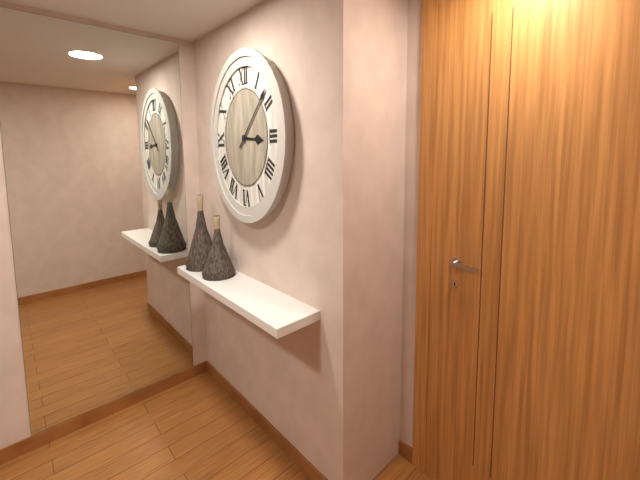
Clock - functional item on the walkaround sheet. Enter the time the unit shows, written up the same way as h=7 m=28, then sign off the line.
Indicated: h=3 m=8
